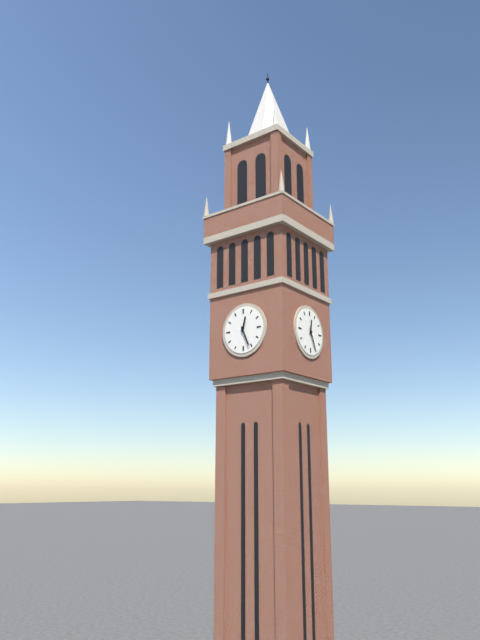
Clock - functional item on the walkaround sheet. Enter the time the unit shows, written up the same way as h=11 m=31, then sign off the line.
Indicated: h=12 m=26
